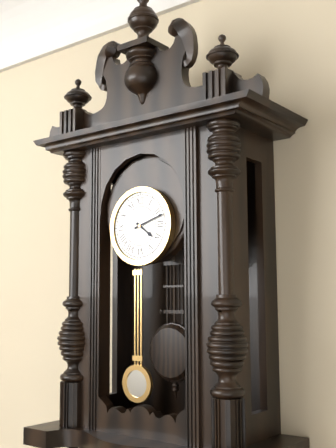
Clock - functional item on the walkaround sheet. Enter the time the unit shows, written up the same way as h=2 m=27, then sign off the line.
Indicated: h=4 m=12
